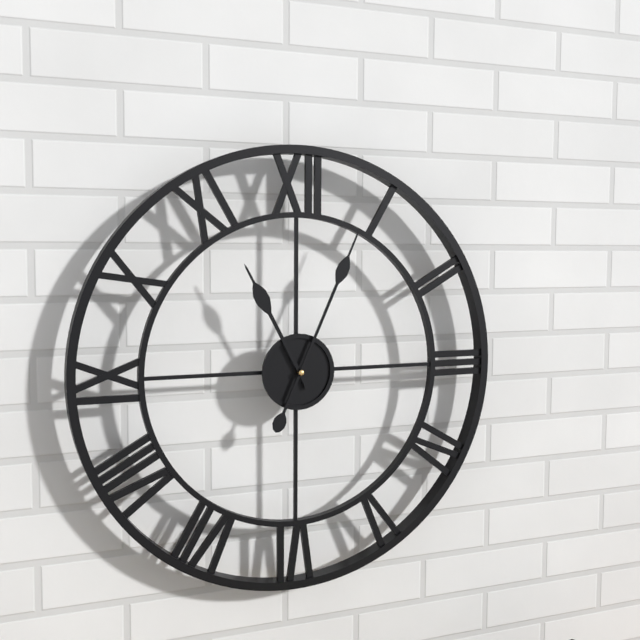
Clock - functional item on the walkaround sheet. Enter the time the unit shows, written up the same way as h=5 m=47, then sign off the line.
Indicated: h=11 m=4
